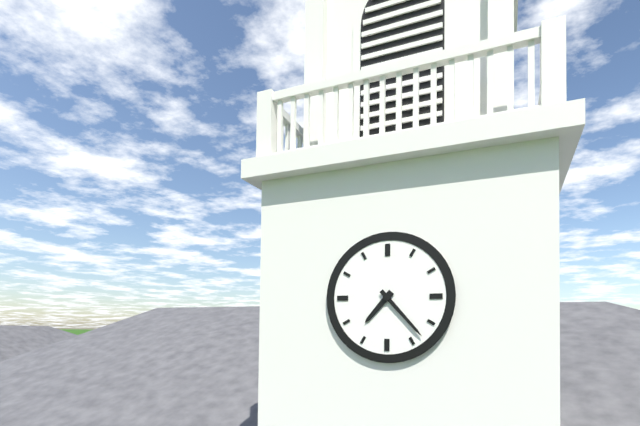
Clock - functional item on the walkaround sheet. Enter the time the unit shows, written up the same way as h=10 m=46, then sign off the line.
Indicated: h=7 m=23
